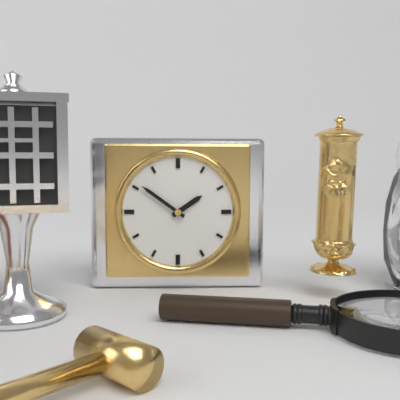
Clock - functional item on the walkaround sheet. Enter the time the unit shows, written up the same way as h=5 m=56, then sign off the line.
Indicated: h=1 m=51
